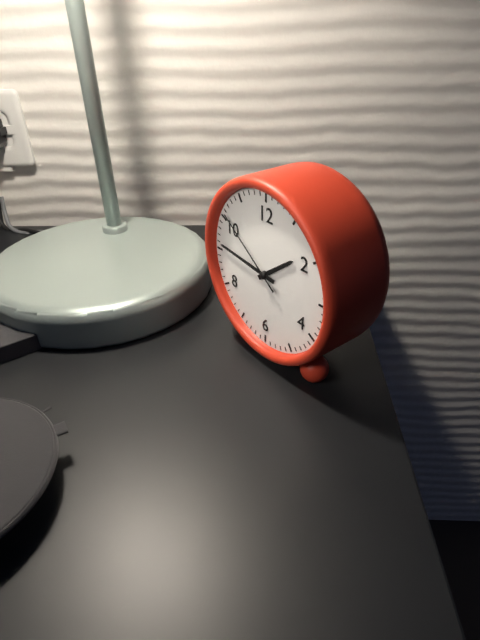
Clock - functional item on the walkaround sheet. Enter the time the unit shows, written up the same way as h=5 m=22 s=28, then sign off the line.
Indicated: h=1 m=46 s=51
